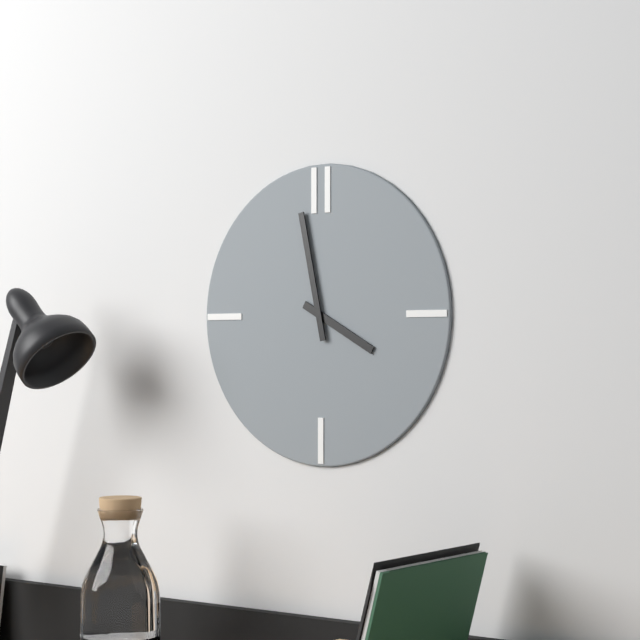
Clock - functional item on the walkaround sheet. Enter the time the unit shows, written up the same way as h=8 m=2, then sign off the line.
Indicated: h=3 m=58
